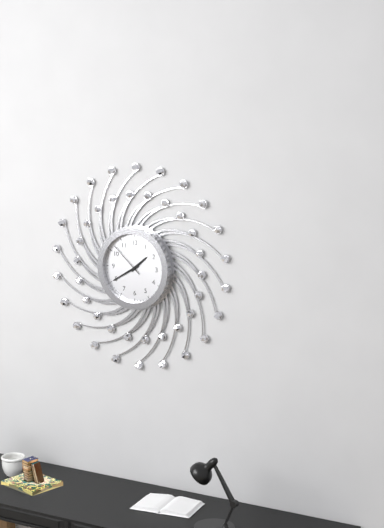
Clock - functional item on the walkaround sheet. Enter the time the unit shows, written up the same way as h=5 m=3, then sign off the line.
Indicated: h=1 m=40
